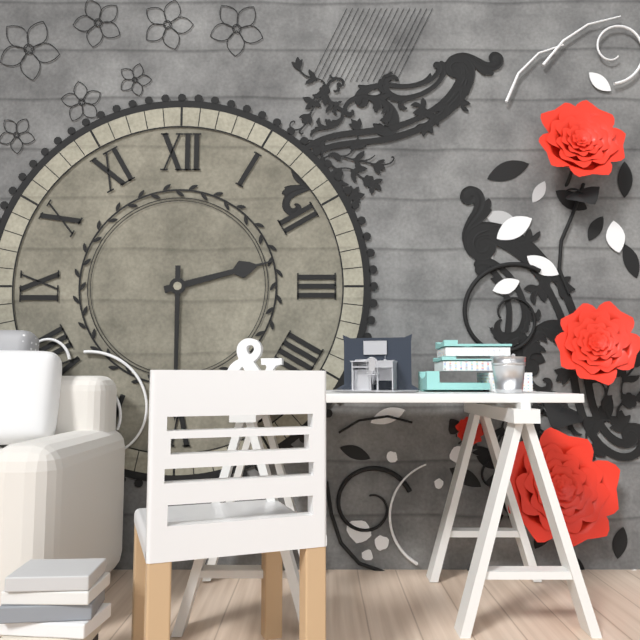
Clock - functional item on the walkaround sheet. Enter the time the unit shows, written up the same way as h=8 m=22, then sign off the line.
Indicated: h=2 m=30
